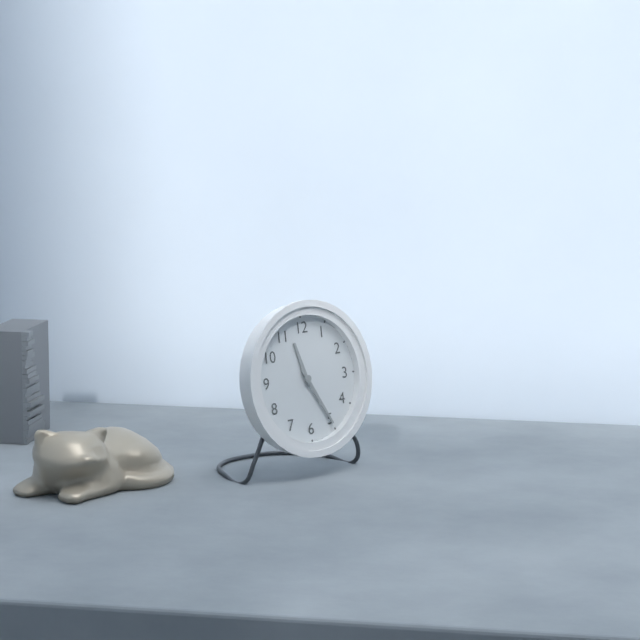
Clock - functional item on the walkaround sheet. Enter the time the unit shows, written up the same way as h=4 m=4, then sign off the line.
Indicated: h=11 m=25
